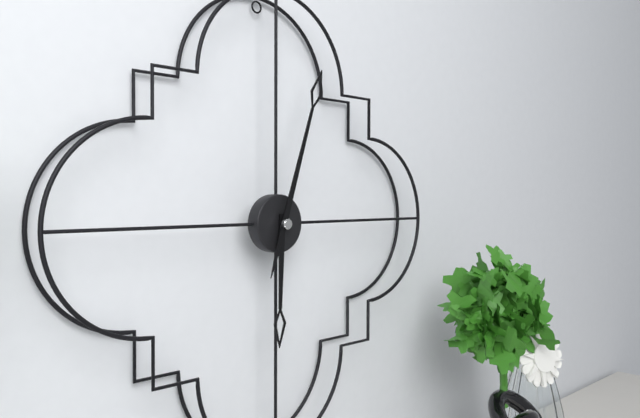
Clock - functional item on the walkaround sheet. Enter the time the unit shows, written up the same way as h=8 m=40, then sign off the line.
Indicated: h=6 m=3
